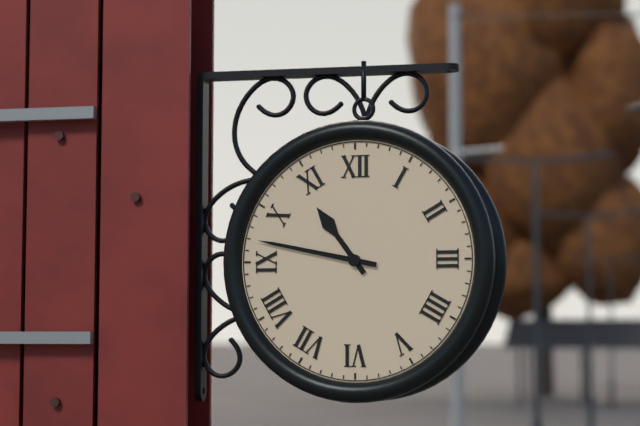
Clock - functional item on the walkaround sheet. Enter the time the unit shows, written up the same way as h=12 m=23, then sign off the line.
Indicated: h=10 m=47
